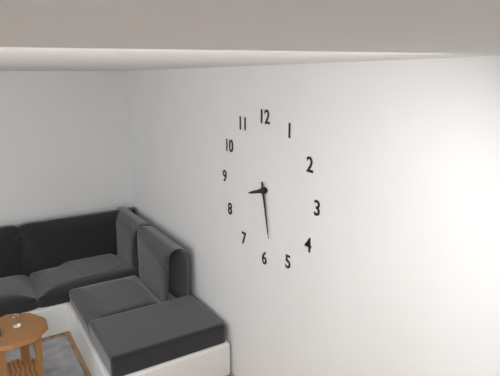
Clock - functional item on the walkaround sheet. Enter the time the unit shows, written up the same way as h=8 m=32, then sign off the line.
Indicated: h=8 m=28
